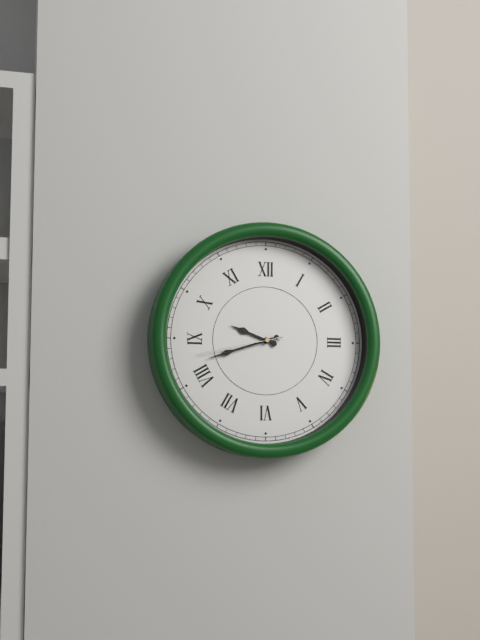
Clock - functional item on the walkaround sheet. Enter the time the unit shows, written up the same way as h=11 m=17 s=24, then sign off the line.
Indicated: h=9 m=42 s=43
